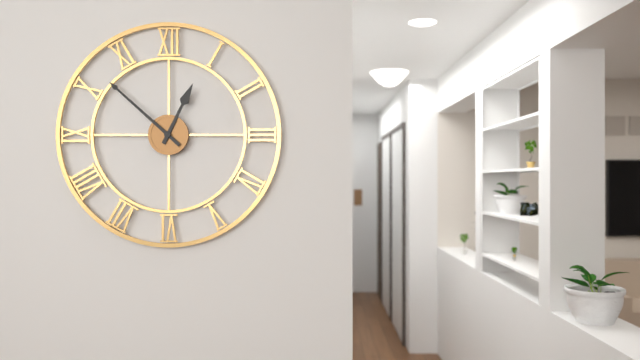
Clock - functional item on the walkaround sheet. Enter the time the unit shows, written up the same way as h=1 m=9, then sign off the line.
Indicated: h=12 m=52
